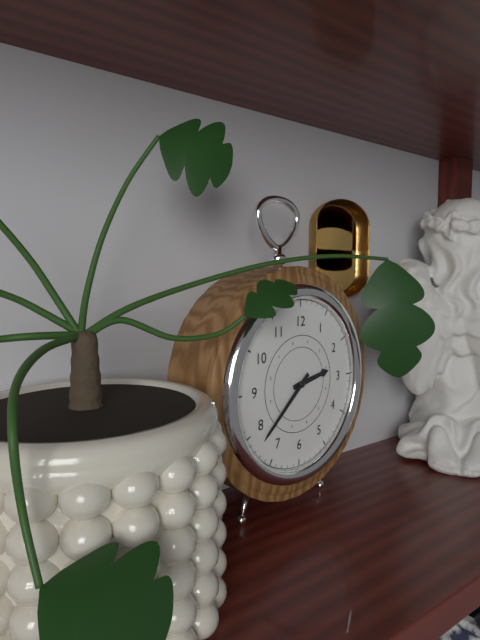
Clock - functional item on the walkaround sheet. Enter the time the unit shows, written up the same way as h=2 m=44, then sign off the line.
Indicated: h=2 m=38
